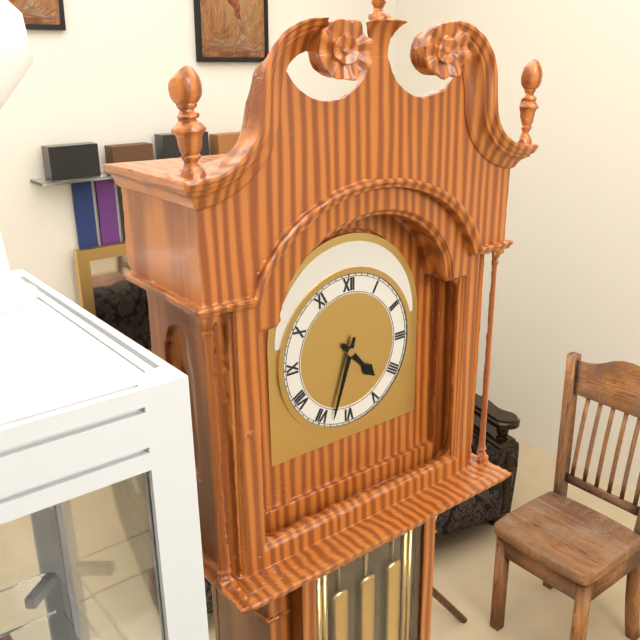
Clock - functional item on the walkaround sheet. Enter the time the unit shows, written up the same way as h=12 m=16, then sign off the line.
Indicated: h=4 m=33
